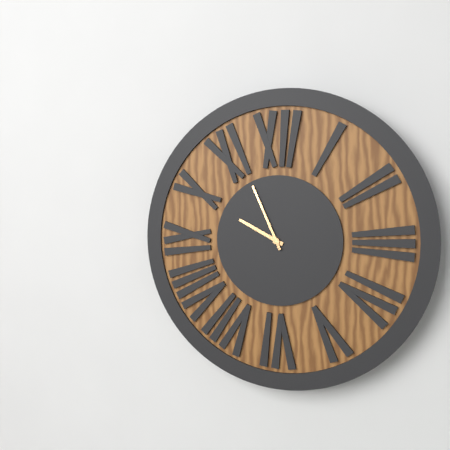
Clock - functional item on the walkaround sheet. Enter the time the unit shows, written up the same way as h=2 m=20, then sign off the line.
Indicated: h=9 m=56
